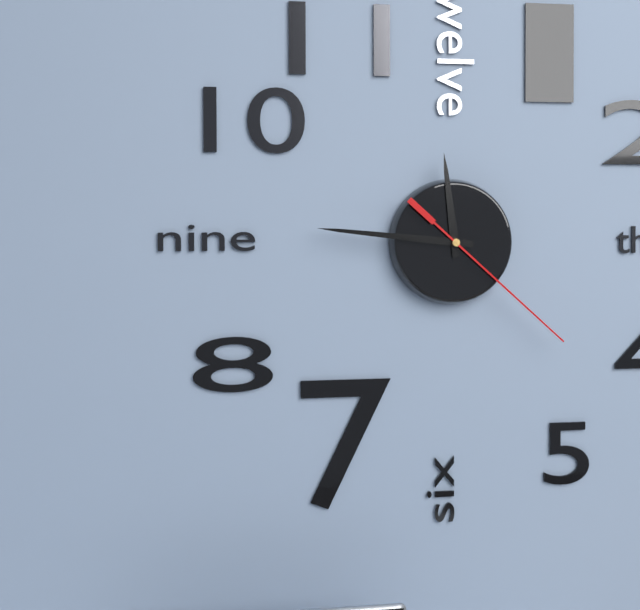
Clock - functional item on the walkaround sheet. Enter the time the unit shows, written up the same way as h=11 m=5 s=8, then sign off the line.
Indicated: h=11 m=46 s=22
